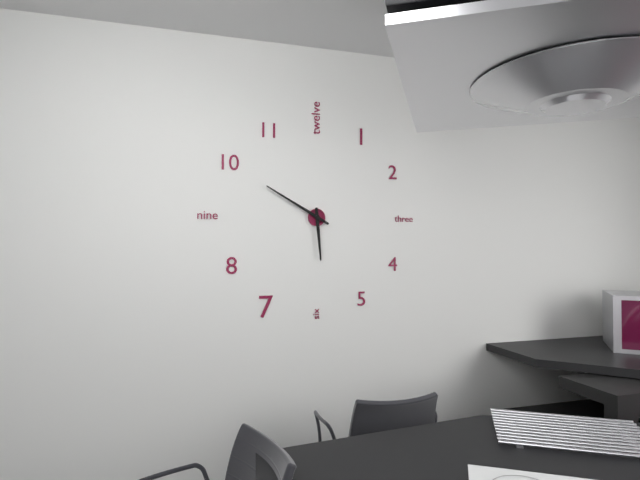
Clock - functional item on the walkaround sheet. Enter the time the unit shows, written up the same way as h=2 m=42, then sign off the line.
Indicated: h=5 m=50
